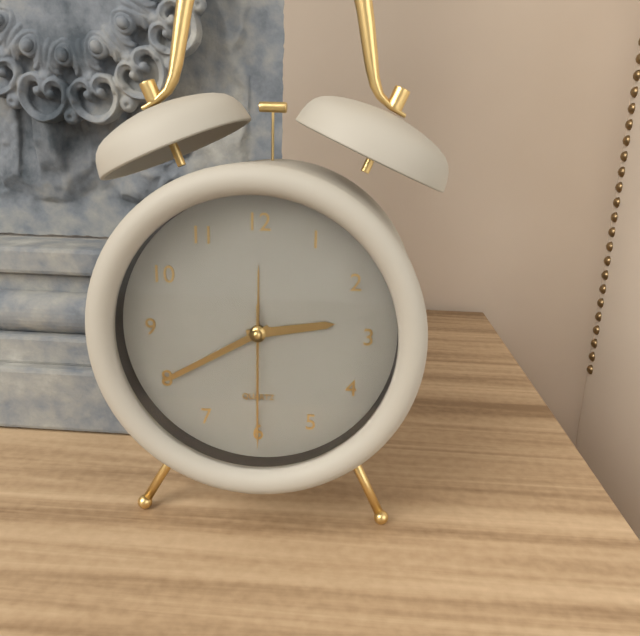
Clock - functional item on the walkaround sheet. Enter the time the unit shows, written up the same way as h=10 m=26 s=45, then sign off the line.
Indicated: h=2 m=40 s=30
